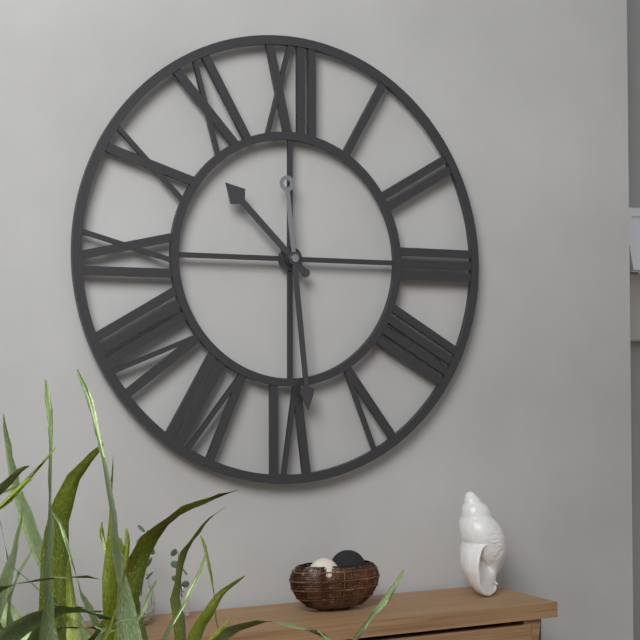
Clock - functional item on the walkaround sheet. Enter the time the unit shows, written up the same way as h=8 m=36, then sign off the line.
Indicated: h=10 m=29
